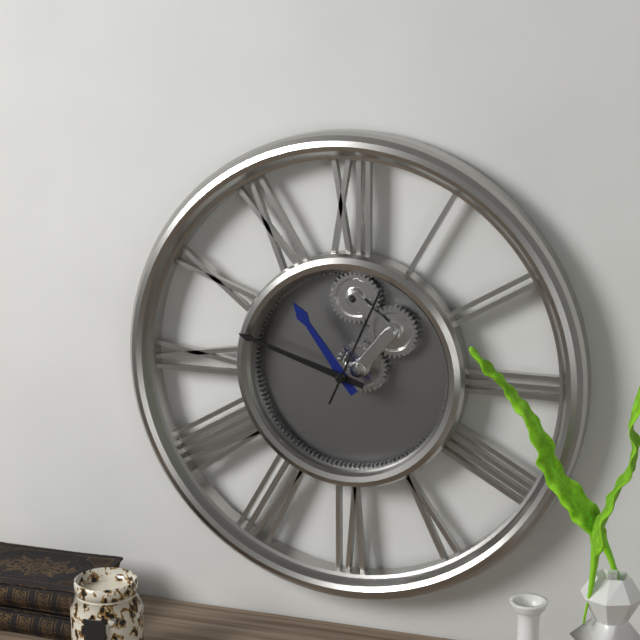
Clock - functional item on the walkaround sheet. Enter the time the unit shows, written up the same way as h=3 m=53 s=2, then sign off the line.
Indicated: h=10 m=48 s=4
